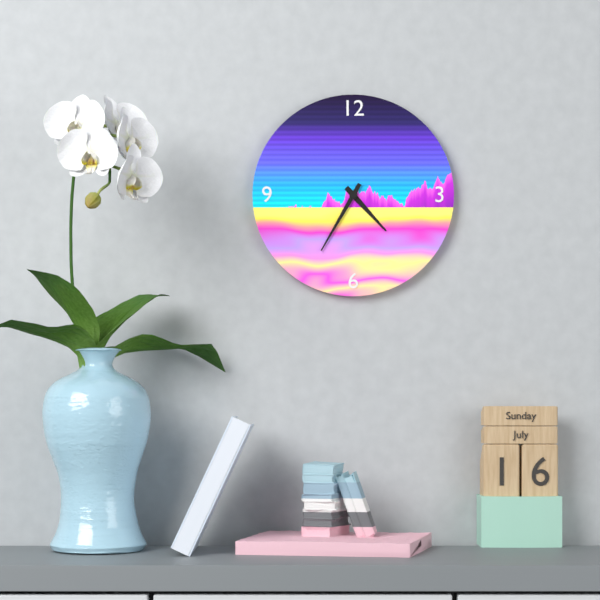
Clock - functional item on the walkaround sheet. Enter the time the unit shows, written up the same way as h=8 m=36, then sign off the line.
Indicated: h=4 m=35
